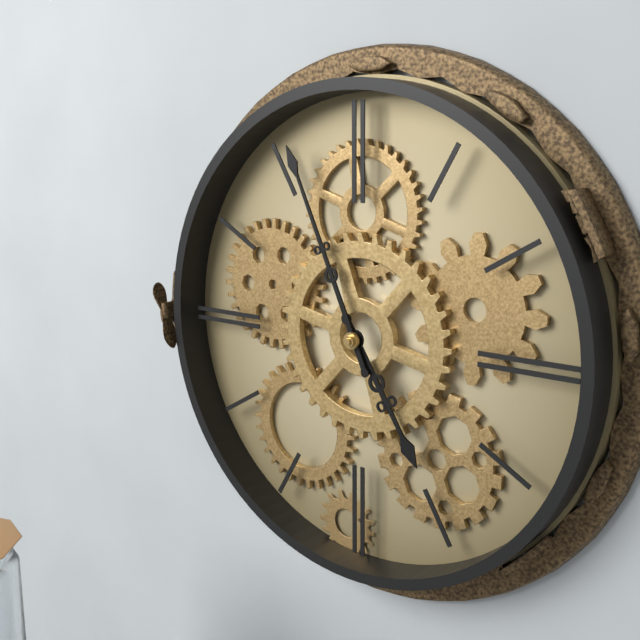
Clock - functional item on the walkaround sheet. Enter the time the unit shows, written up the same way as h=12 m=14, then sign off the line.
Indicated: h=4 m=56
